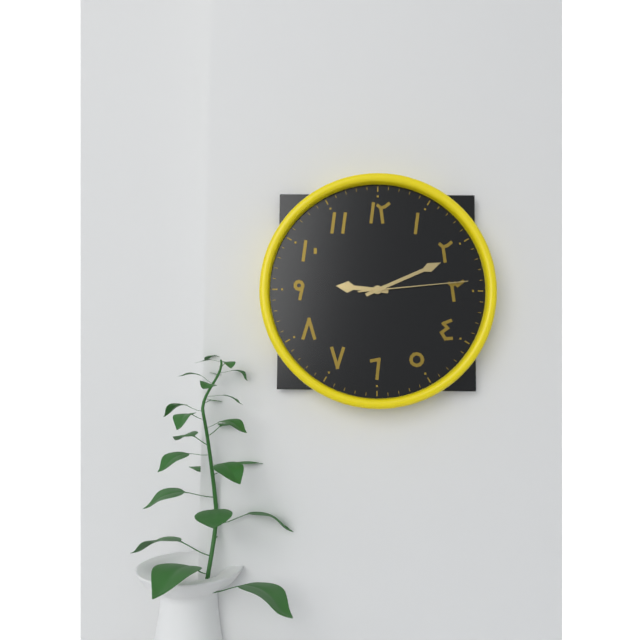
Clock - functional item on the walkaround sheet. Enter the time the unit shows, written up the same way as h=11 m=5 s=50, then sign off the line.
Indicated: h=9 m=11 s=14
